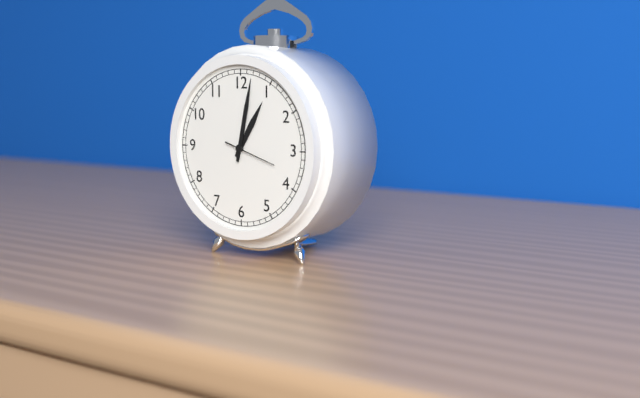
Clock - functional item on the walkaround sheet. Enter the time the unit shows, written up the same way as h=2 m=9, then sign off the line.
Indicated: h=1 m=2
